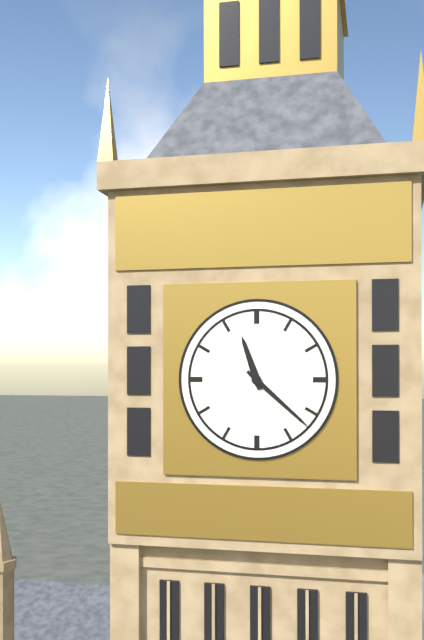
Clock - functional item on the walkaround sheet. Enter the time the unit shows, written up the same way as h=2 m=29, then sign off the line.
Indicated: h=11 m=22
